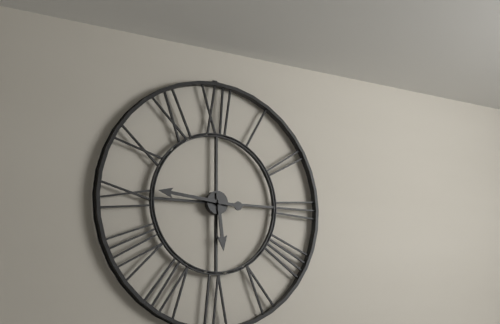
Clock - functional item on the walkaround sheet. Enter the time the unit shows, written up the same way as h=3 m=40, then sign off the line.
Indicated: h=5 m=46
